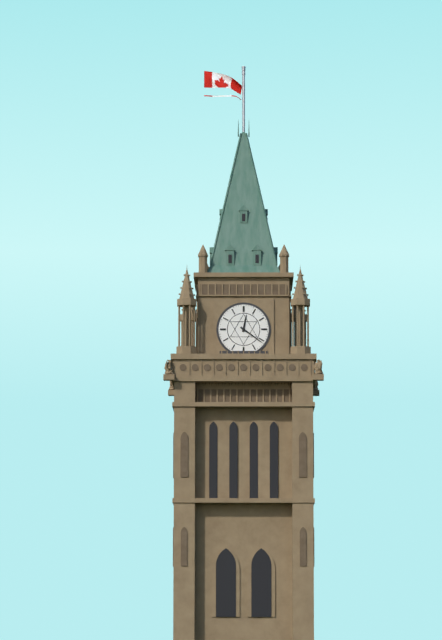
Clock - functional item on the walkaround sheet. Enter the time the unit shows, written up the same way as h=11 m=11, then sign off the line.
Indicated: h=12 m=21
